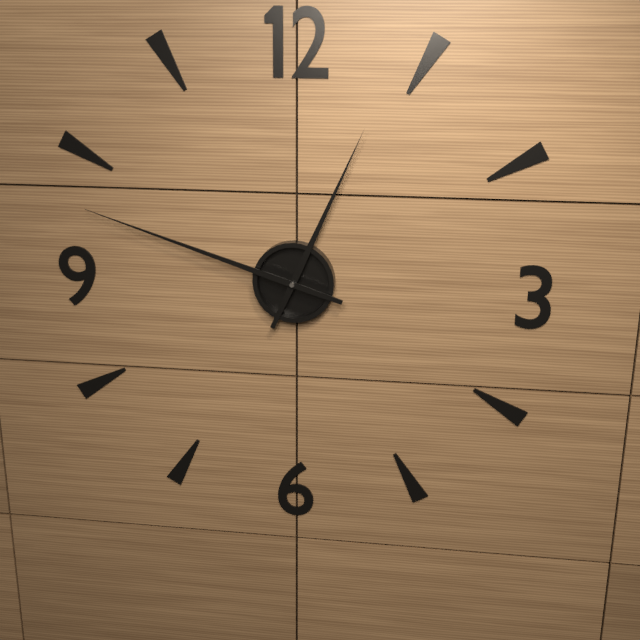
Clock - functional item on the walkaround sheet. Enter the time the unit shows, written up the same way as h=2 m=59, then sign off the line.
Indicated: h=12 m=48
